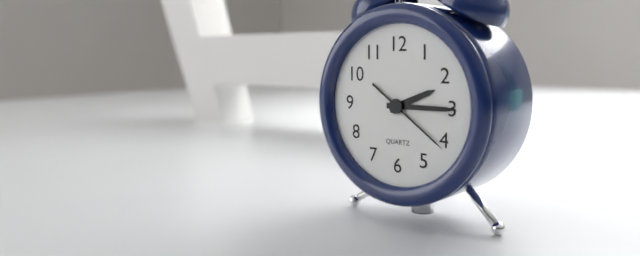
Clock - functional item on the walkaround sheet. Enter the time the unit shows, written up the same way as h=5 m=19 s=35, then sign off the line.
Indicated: h=2 m=15 s=21
